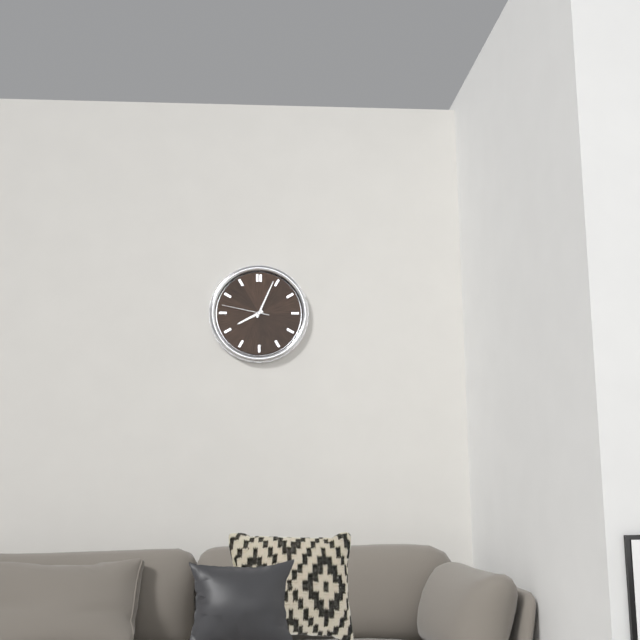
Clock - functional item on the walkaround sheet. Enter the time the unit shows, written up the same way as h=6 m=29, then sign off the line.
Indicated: h=8 m=4
